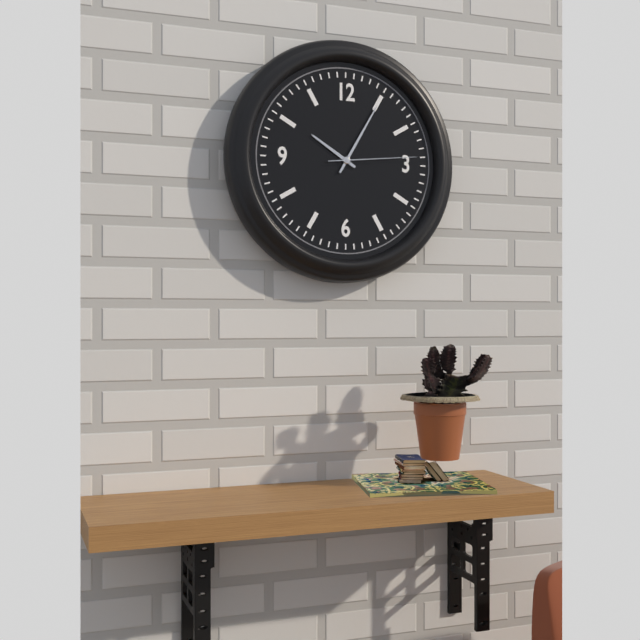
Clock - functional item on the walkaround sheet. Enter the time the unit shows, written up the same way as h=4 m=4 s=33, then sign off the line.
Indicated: h=10 m=5 s=14
